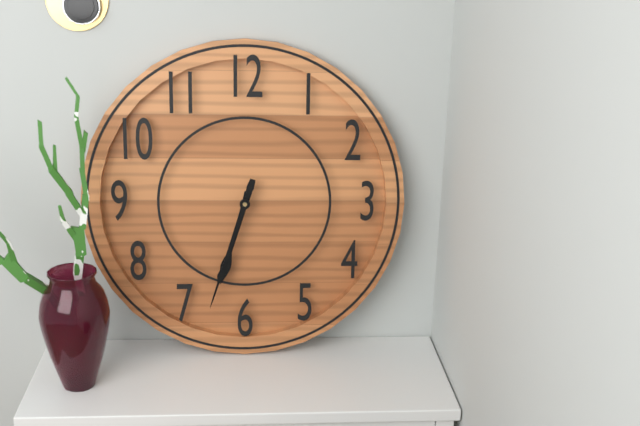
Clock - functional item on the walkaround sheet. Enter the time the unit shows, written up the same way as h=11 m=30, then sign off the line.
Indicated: h=6 m=33
